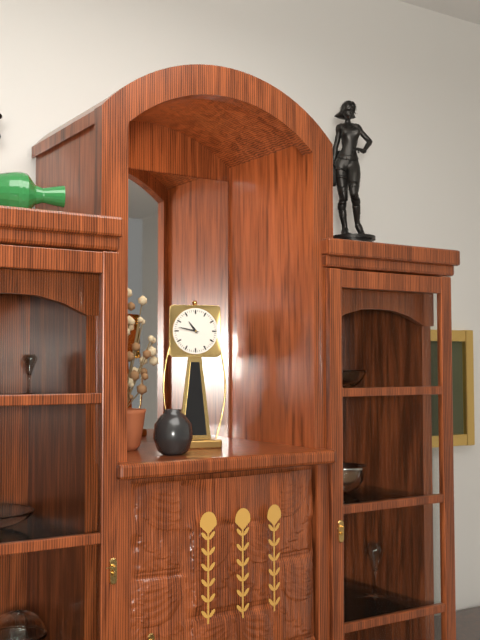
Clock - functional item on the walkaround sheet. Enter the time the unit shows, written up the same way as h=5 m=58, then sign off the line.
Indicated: h=10 m=47
